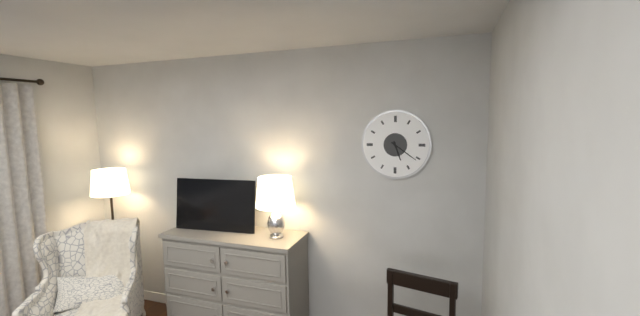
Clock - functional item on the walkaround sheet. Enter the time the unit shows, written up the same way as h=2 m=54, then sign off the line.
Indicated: h=5 m=21
